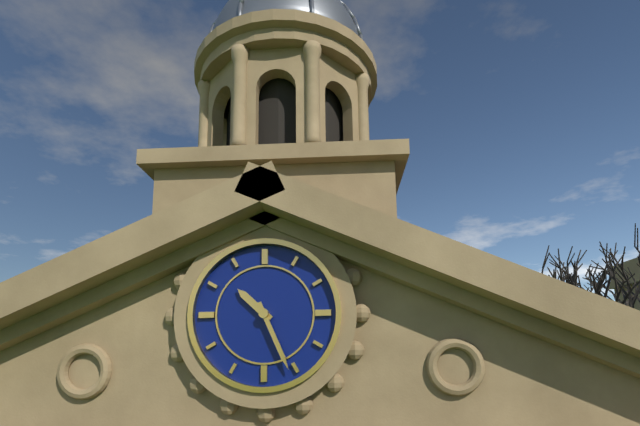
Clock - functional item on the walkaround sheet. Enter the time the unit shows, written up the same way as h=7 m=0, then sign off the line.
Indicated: h=10 m=26
